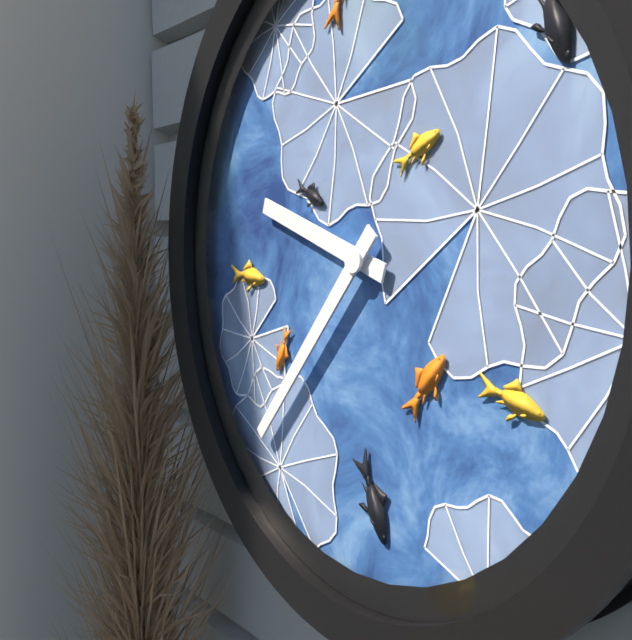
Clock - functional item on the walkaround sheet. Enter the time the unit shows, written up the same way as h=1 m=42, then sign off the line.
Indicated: h=9 m=37
